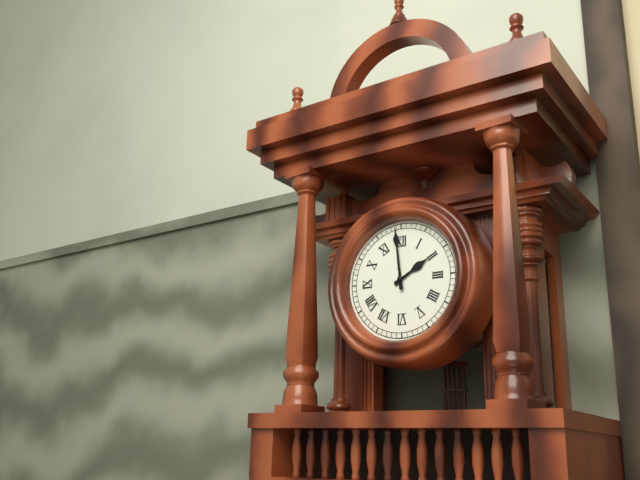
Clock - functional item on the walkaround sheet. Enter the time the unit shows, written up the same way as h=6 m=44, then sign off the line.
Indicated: h=1 m=59
